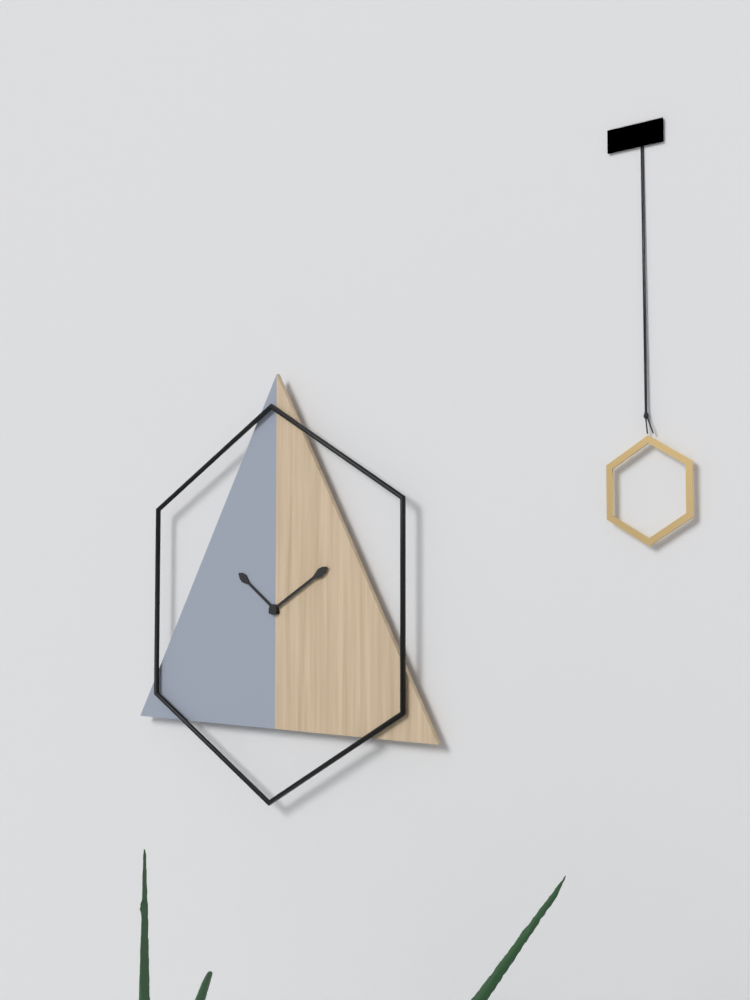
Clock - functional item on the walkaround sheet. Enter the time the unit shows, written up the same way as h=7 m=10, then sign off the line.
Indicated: h=10 m=10
